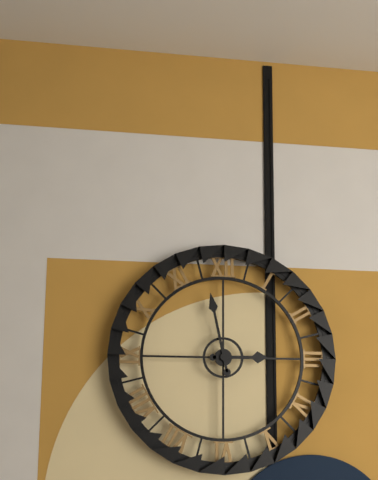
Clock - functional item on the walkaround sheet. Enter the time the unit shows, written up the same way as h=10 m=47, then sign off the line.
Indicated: h=2 m=58
